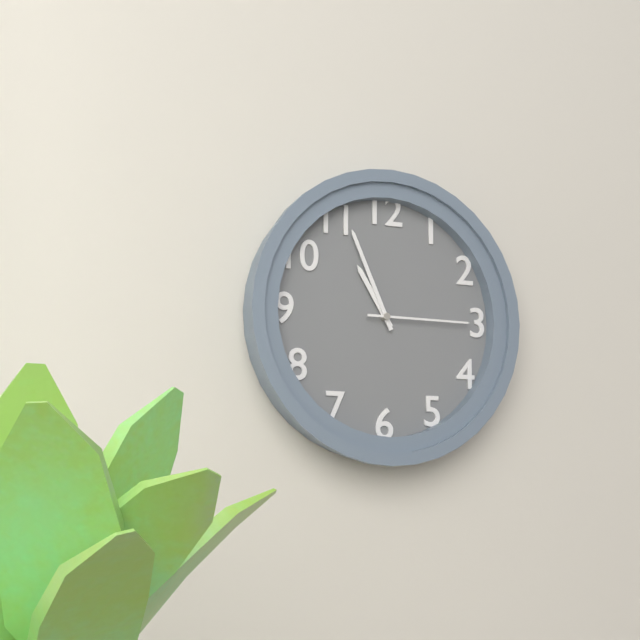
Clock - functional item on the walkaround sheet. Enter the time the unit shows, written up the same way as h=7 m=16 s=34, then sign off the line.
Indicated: h=10 m=56 s=15
